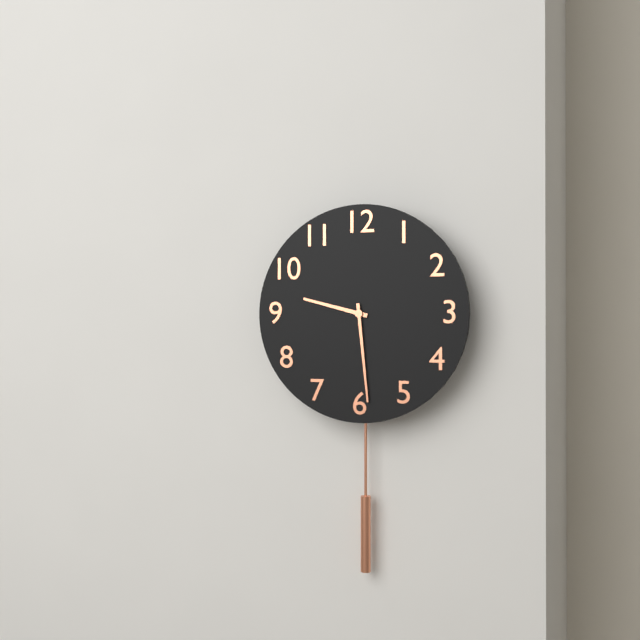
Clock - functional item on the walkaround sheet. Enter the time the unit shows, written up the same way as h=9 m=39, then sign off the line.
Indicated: h=9 m=29
